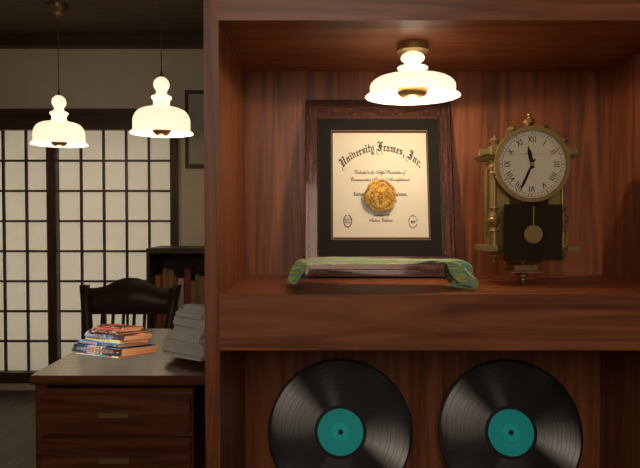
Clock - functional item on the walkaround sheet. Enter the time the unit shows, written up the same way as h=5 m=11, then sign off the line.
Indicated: h=11 m=34
